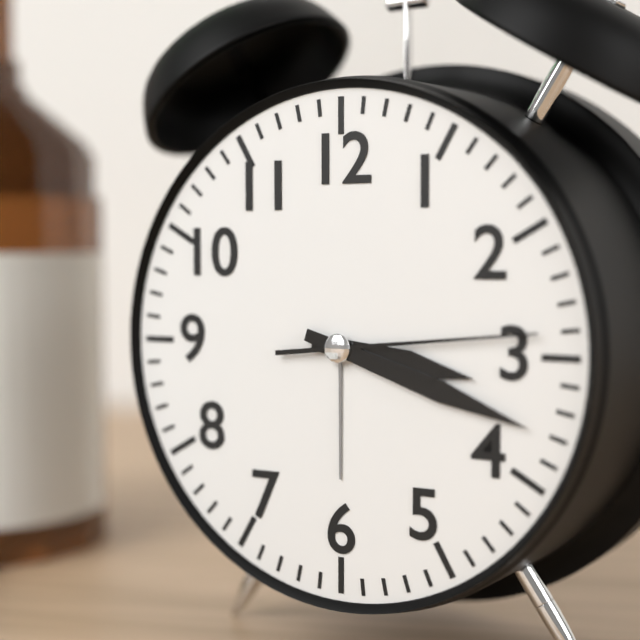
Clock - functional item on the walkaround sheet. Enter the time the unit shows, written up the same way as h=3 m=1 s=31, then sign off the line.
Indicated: h=3 m=18 s=14
